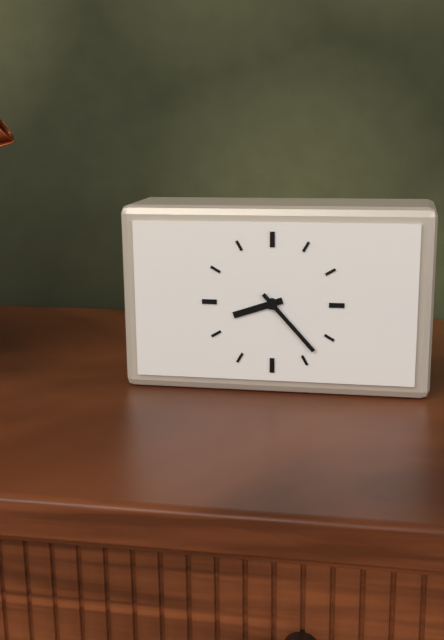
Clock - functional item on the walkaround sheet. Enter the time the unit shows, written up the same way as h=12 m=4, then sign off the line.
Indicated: h=8 m=23
